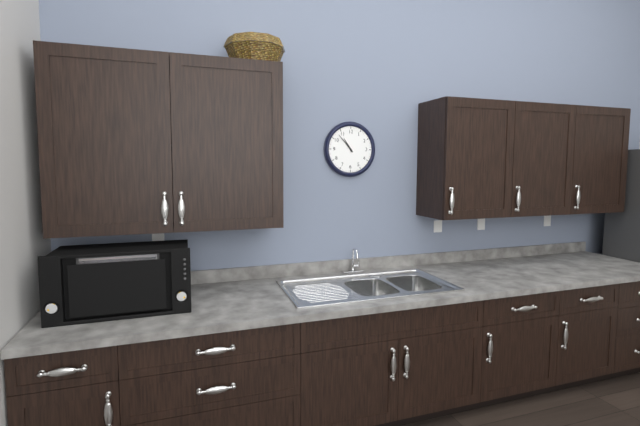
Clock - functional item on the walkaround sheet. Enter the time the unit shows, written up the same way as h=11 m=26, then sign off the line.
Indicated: h=10 m=53
